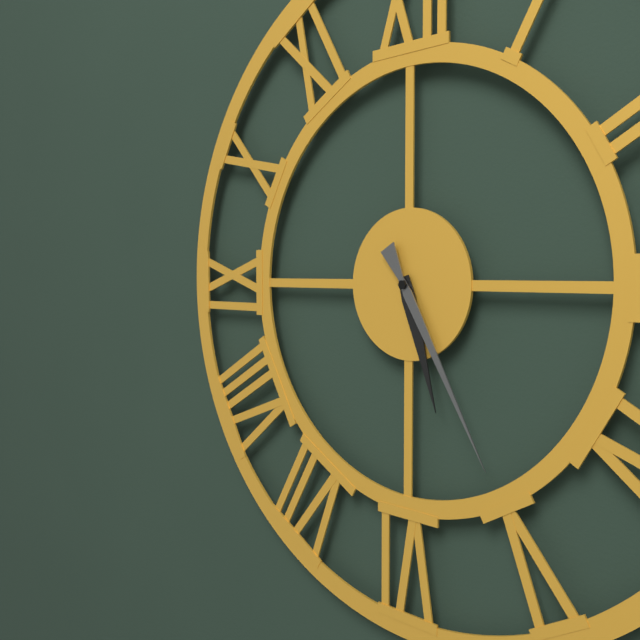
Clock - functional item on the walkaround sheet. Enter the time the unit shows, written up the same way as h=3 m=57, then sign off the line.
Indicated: h=5 m=25
